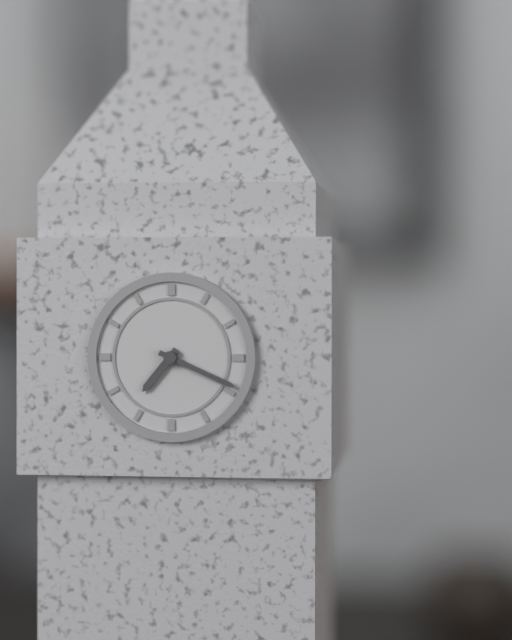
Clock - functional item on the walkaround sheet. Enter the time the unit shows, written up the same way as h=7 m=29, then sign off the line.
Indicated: h=7 m=19
